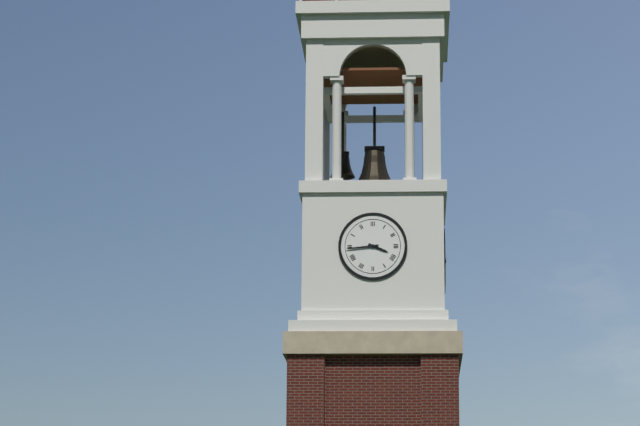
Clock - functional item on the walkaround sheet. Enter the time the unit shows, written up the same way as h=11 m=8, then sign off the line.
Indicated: h=3 m=44
